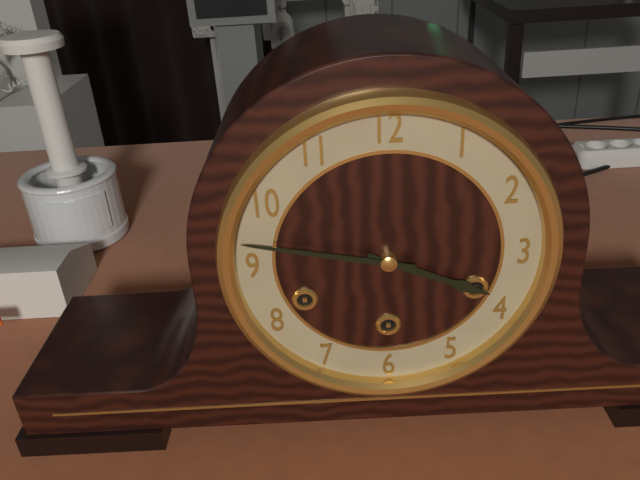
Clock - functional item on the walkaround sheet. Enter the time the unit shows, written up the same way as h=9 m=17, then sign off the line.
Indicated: h=3 m=47
